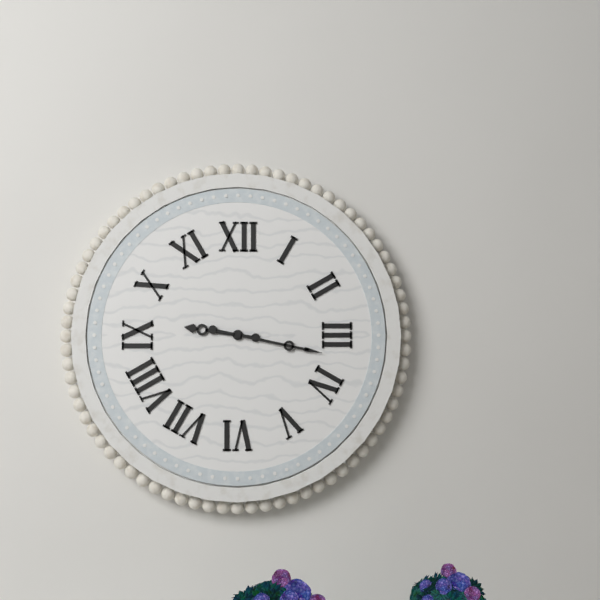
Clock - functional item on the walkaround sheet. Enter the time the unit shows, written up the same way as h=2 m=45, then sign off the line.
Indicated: h=9 m=17
